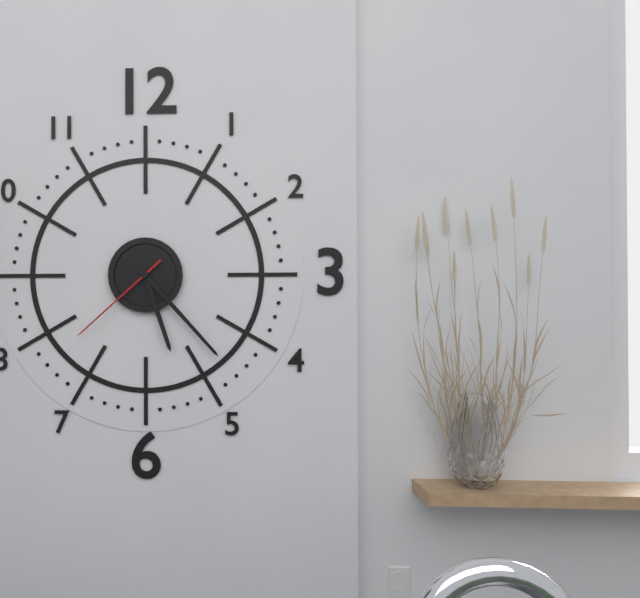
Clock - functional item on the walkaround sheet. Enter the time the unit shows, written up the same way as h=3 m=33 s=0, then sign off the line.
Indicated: h=5 m=23 s=38
